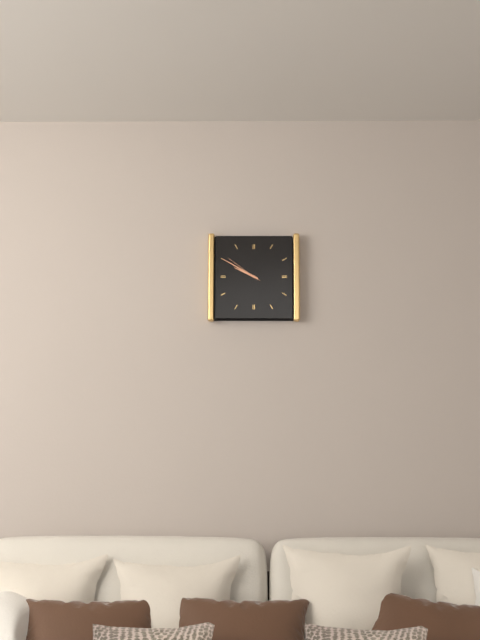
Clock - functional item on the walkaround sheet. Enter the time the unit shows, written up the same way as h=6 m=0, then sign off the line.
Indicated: h=9 m=50
